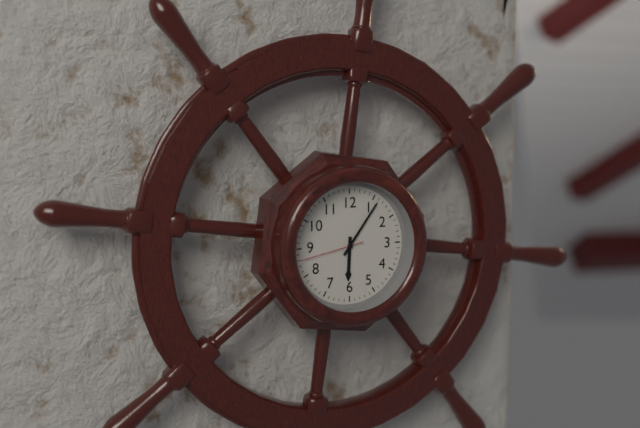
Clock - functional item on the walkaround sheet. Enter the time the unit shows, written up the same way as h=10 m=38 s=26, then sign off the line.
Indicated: h=6 m=6 s=43
